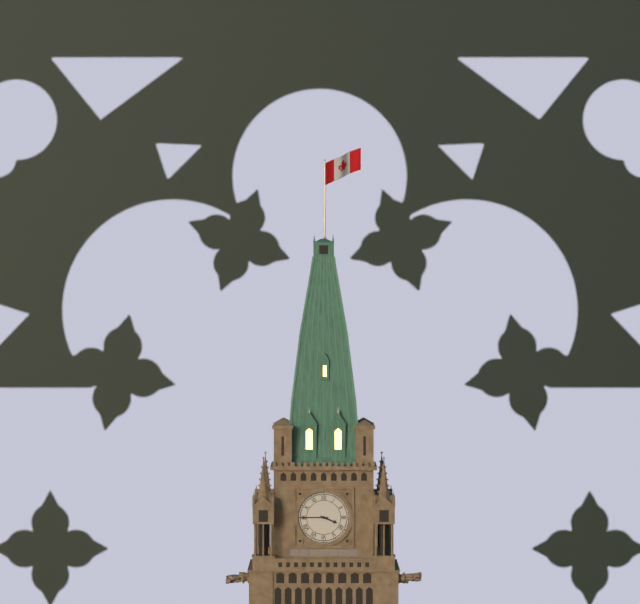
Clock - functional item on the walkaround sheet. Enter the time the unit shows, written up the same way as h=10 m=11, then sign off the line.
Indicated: h=3 m=45
